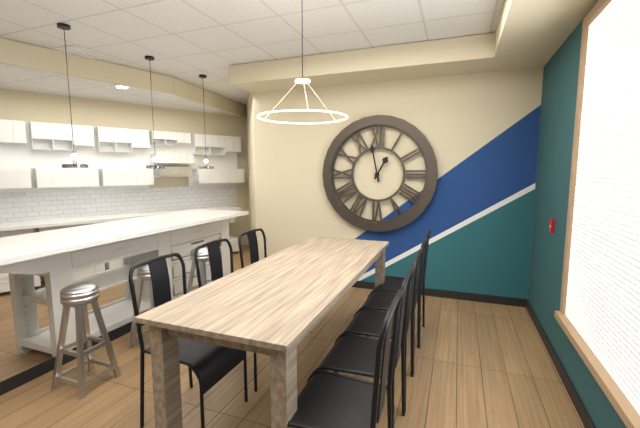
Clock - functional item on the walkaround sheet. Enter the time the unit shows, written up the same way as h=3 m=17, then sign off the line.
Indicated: h=12 m=58
